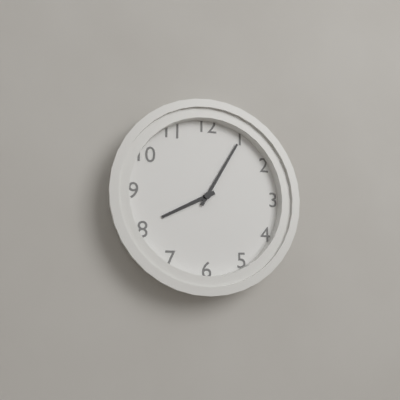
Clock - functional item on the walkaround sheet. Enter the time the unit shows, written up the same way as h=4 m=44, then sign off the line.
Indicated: h=8 m=5
